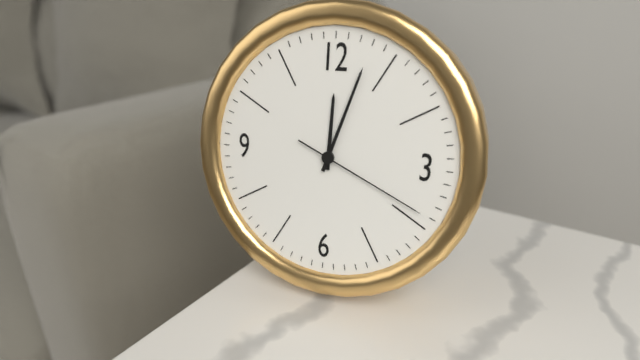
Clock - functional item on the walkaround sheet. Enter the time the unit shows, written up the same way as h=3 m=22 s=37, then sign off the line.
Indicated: h=12 m=3 s=19
